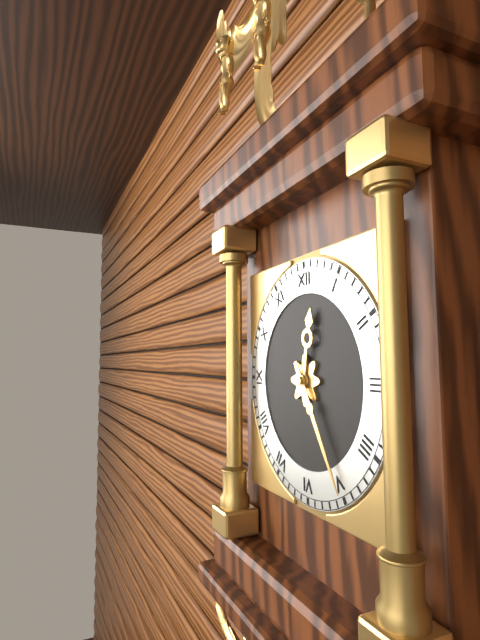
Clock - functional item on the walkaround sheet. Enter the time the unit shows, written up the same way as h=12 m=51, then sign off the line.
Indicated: h=12 m=25
